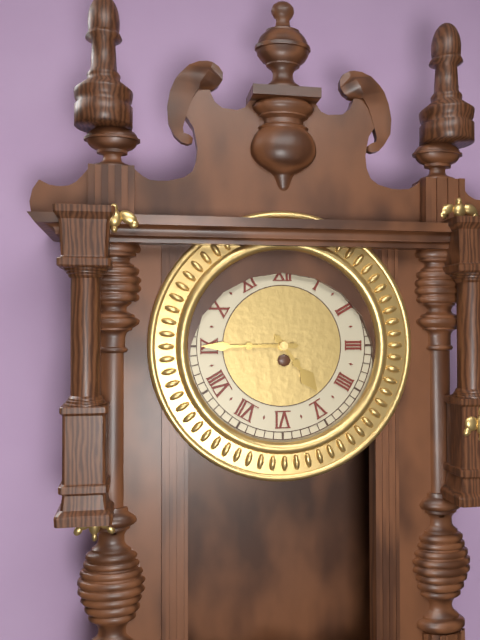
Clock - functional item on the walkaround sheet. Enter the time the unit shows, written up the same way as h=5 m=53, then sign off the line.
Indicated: h=4 m=45
